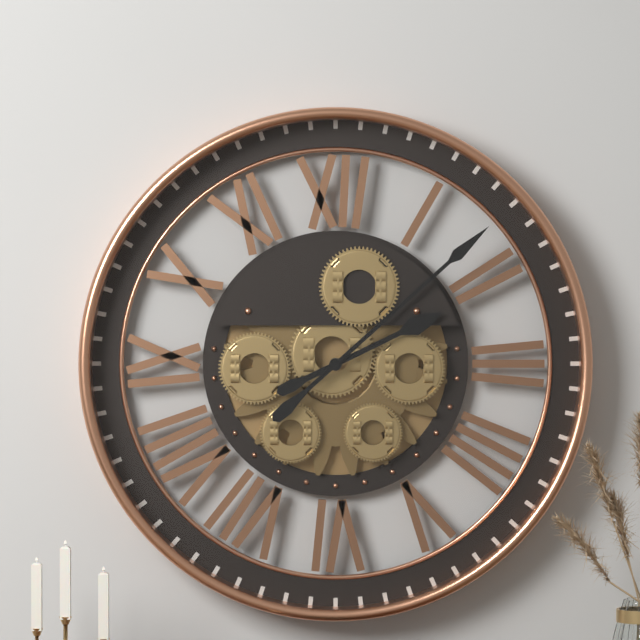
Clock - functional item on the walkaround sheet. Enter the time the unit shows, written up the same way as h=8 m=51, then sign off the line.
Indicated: h=2 m=8
